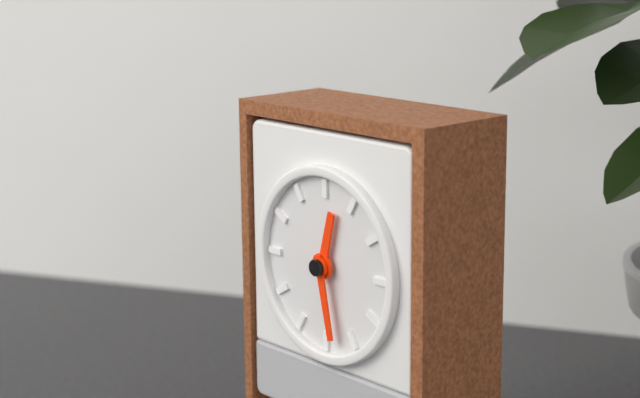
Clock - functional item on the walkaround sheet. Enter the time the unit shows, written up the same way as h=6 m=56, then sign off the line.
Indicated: h=12 m=28
